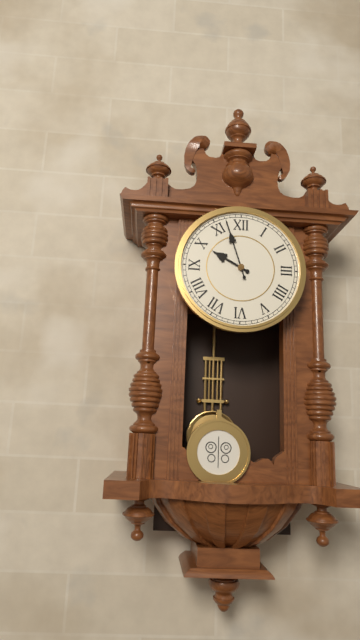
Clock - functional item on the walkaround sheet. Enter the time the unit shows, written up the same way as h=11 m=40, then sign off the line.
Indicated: h=9 m=57
